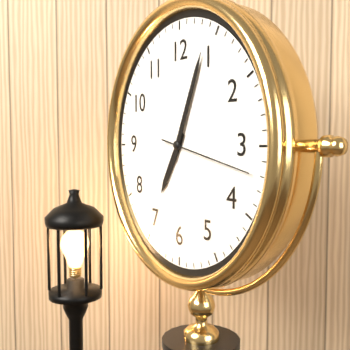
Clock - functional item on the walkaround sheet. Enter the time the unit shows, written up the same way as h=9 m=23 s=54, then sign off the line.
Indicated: h=7 m=4 s=17
